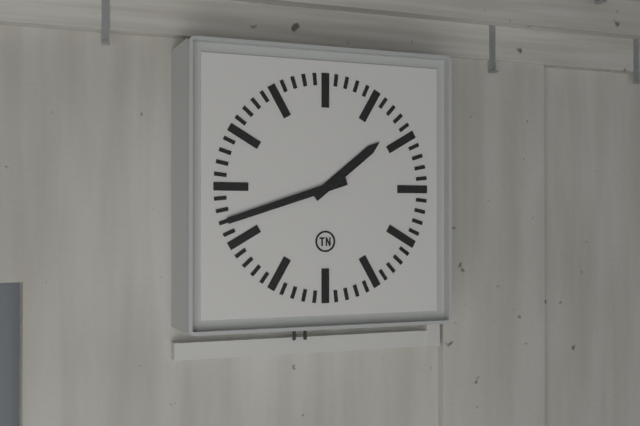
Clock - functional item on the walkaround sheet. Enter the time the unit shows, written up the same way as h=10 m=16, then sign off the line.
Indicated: h=1 m=42
